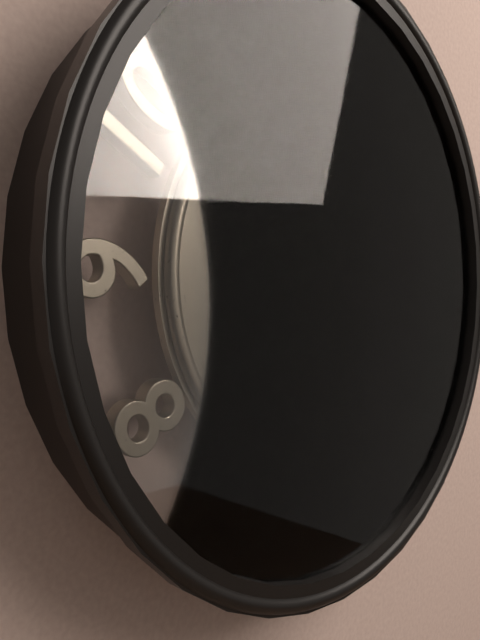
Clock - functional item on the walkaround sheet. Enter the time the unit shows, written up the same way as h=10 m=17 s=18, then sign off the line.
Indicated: h=9 m=27 s=29
